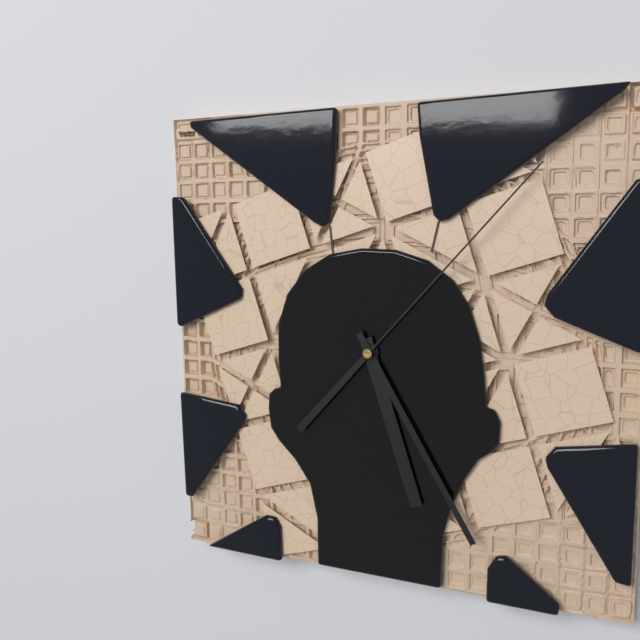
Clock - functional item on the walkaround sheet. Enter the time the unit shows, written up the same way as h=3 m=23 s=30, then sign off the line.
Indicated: h=5 m=25 s=7
